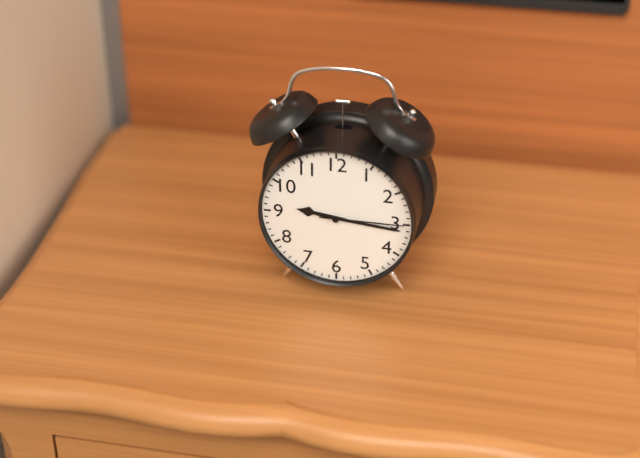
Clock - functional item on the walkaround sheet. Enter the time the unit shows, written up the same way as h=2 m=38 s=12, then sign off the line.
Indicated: h=9 m=16 s=15
